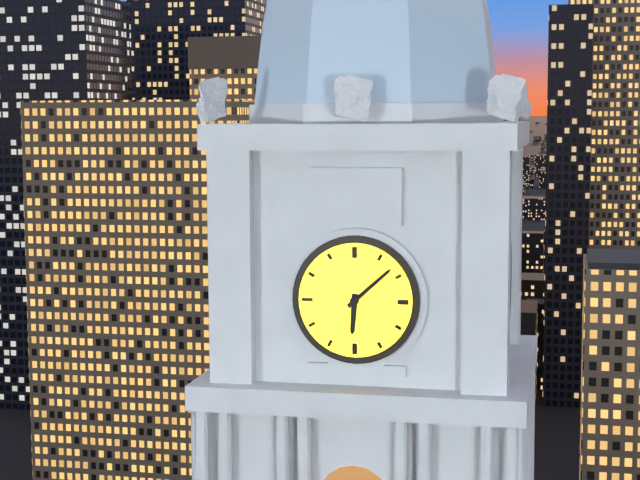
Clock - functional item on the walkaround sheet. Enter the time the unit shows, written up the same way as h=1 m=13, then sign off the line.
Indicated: h=6 m=8
